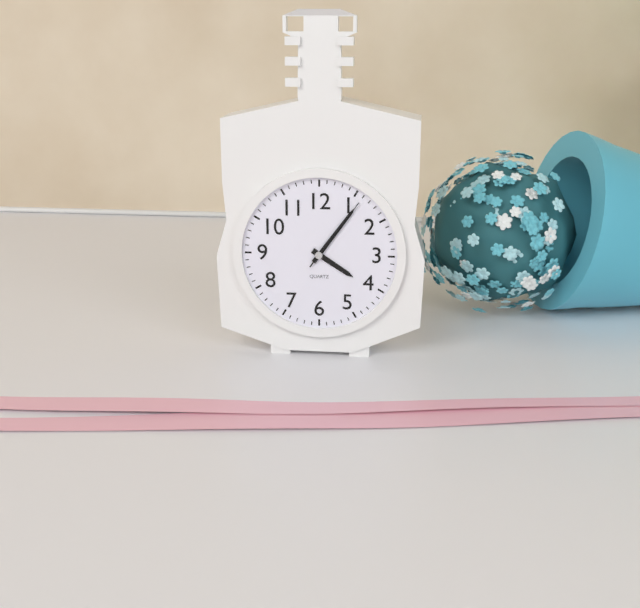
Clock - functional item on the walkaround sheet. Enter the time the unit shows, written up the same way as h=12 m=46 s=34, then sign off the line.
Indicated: h=4 m=6 s=6
